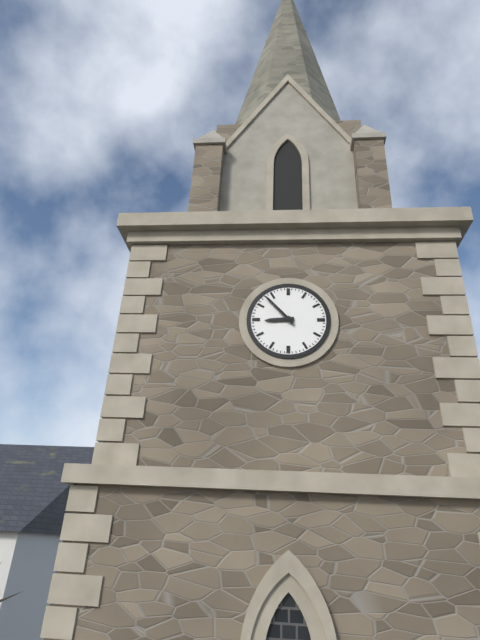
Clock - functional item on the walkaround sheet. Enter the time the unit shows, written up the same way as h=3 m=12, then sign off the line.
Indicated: h=8 m=53
